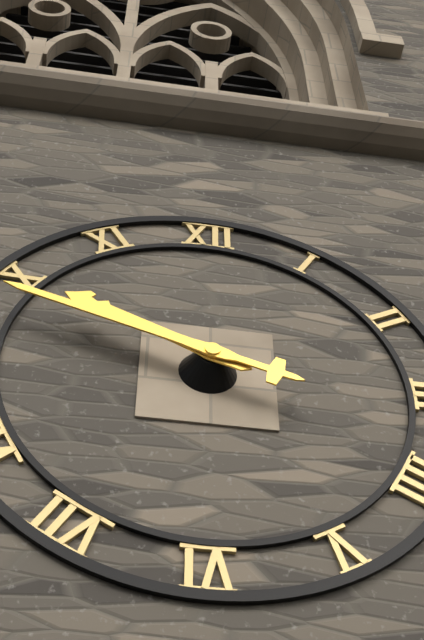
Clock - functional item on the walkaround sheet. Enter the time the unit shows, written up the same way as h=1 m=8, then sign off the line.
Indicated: h=9 m=48
